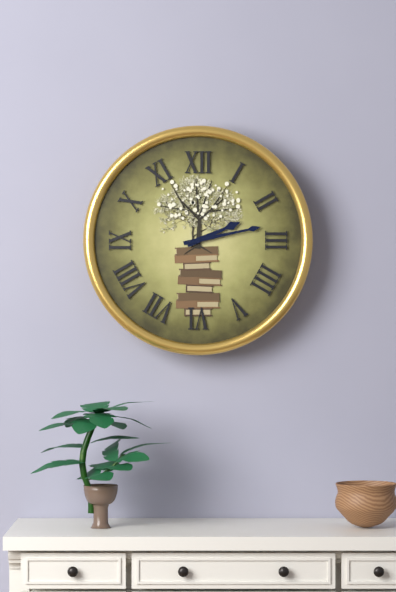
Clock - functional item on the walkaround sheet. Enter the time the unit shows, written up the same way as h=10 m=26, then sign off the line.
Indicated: h=2 m=13
